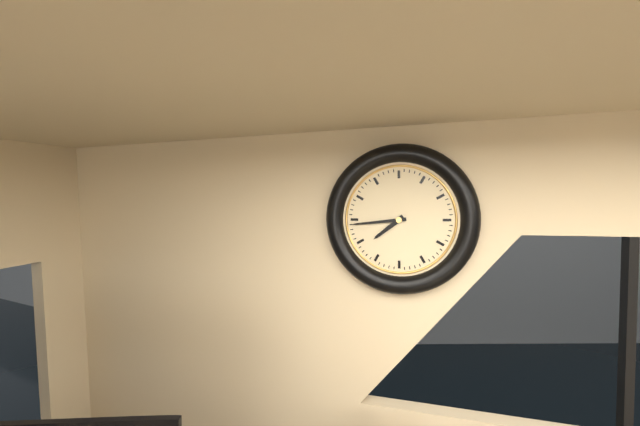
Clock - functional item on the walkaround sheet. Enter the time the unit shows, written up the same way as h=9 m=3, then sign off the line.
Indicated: h=7 m=44
